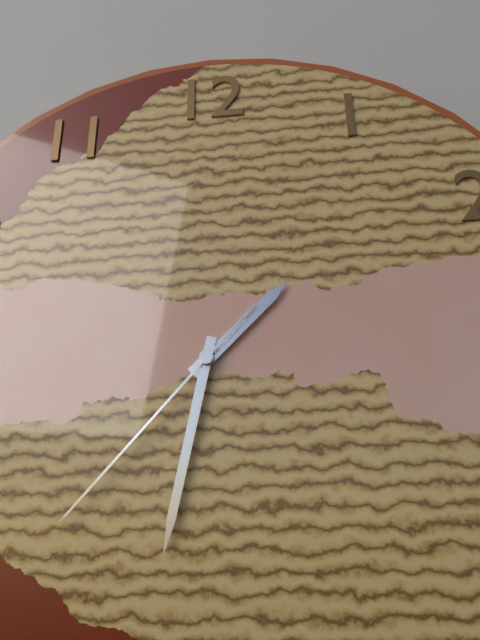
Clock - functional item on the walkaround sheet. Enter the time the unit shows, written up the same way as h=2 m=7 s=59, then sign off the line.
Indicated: h=1 m=32 s=37
